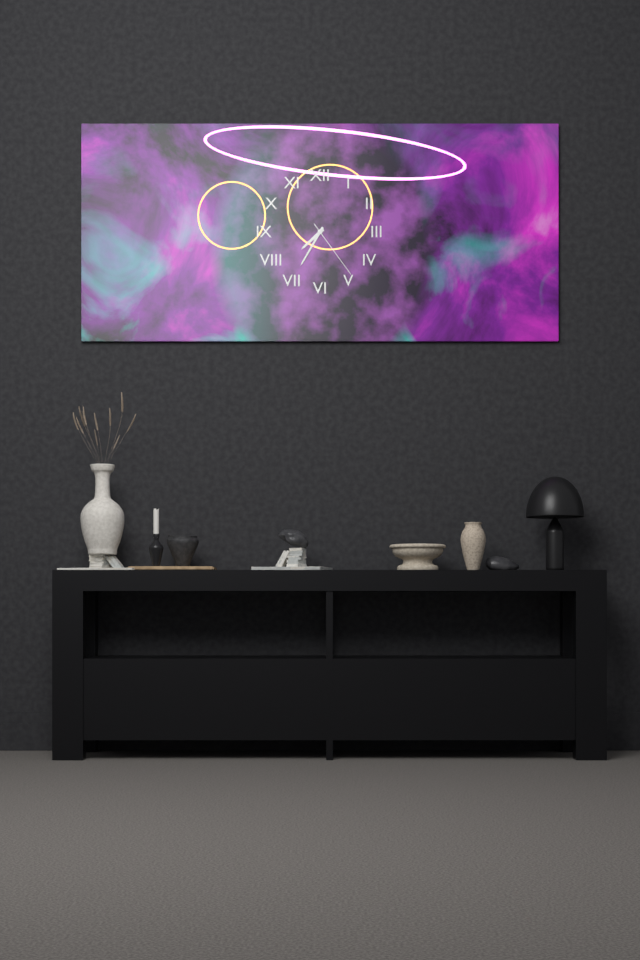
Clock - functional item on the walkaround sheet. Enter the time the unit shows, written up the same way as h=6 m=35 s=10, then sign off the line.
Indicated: h=7 m=35 s=24
